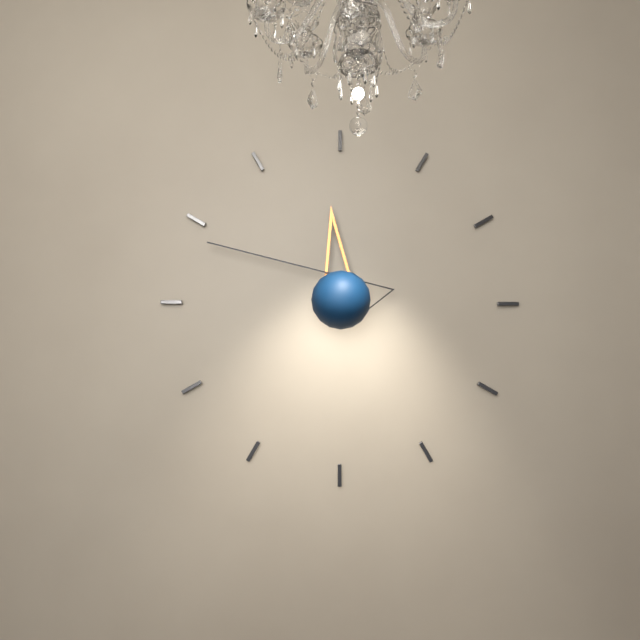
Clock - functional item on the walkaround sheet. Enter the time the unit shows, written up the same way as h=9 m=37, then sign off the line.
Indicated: h=11 m=49
